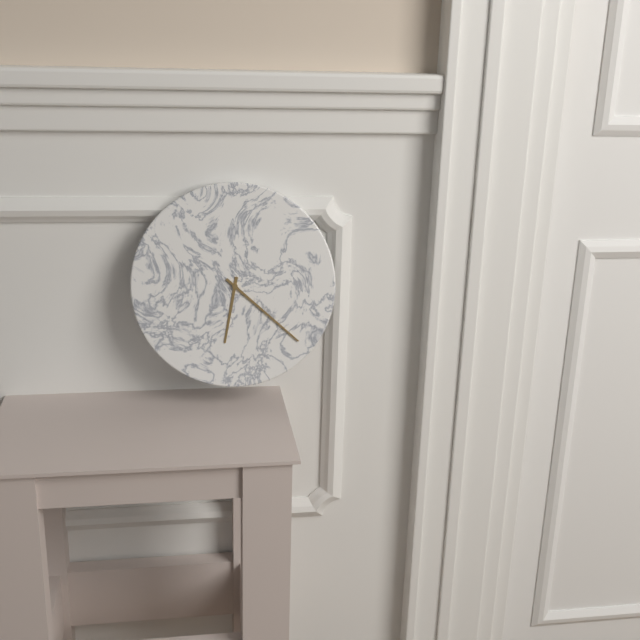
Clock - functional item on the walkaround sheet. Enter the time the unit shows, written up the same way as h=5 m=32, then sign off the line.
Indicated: h=6 m=22
